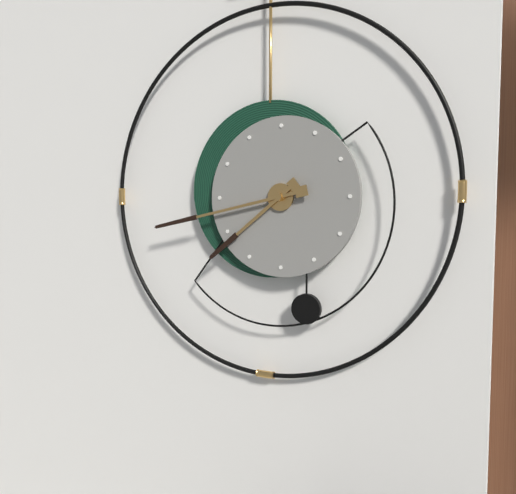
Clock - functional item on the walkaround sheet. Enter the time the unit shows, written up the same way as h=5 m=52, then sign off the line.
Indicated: h=7 m=43
